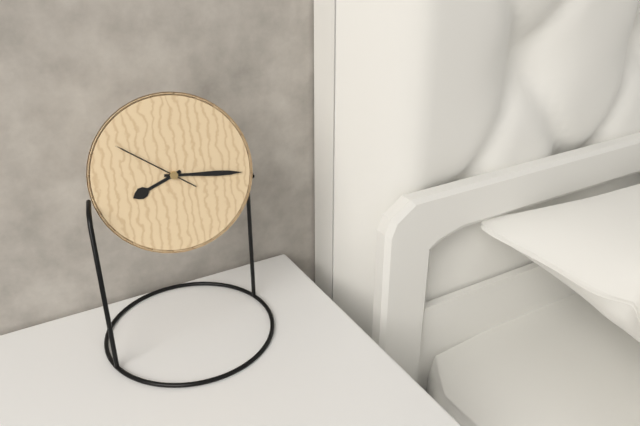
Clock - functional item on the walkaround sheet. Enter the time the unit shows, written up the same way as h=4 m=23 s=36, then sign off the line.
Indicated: h=8 m=16 s=51
